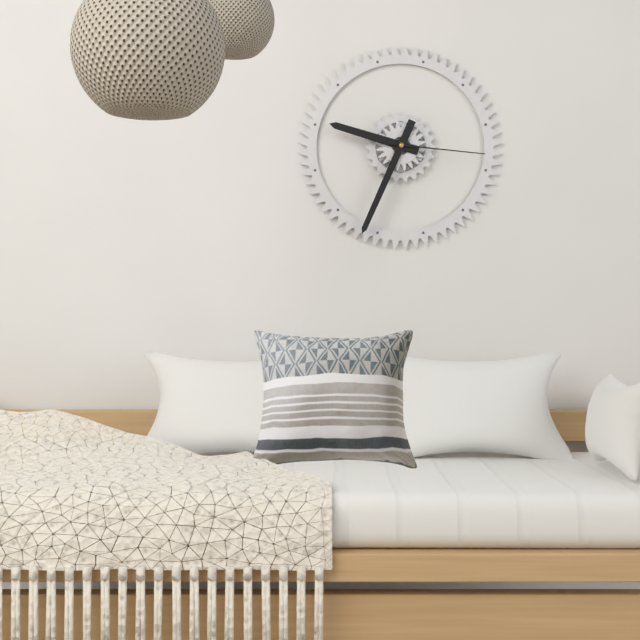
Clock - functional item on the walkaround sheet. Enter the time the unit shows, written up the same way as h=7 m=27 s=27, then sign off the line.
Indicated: h=9 m=34 s=16
